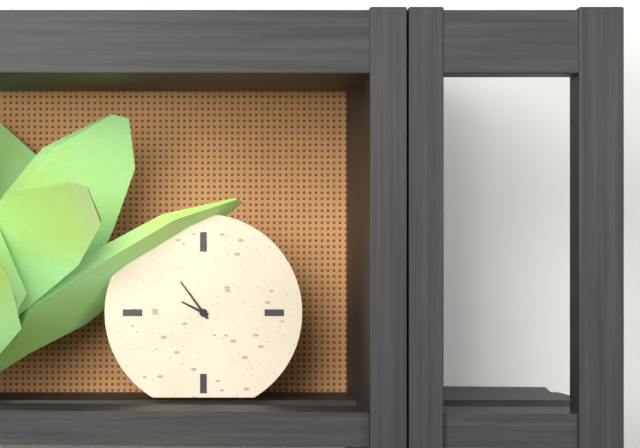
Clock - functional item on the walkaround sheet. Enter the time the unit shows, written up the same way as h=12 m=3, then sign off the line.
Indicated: h=9 m=54
